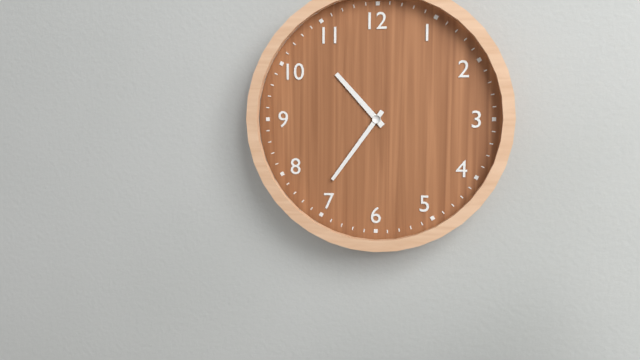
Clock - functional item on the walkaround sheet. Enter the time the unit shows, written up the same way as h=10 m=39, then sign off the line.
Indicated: h=10 m=36
